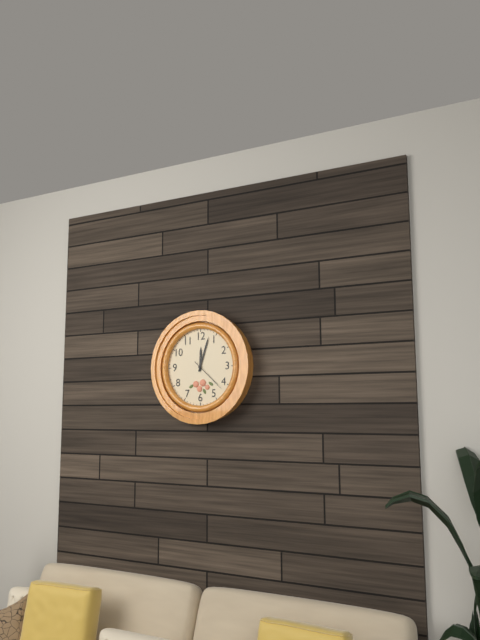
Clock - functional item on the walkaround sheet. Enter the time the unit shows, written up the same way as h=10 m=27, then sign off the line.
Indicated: h=12 m=3
